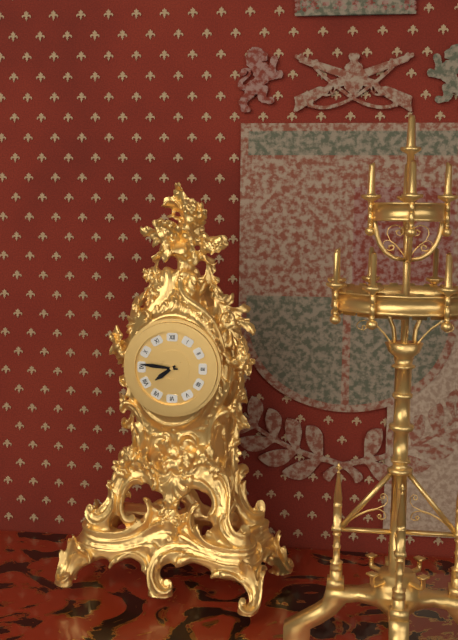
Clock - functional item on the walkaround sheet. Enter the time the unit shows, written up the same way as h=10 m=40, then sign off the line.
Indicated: h=7 m=46
